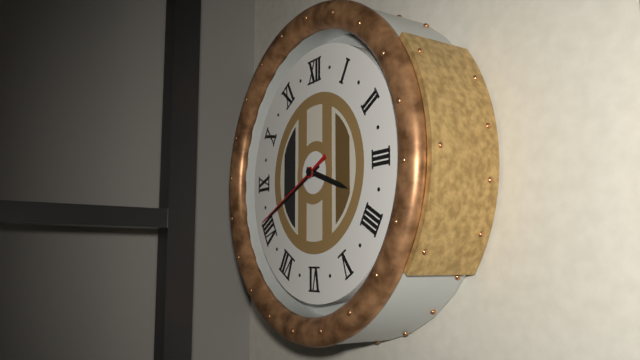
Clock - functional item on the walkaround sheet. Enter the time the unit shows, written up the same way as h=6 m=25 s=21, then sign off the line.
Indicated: h=3 m=41 s=41
